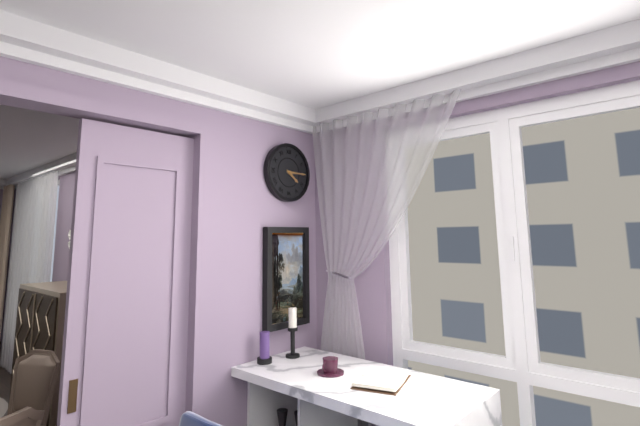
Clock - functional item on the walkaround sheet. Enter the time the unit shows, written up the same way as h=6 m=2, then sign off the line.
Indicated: h=4 m=15
